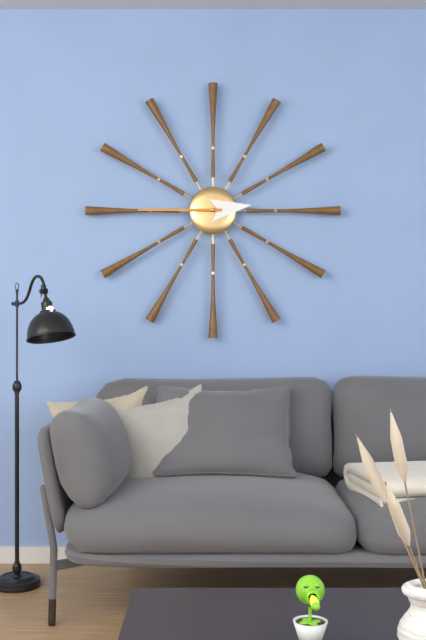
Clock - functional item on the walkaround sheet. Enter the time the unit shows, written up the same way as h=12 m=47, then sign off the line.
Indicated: h=2 m=45
